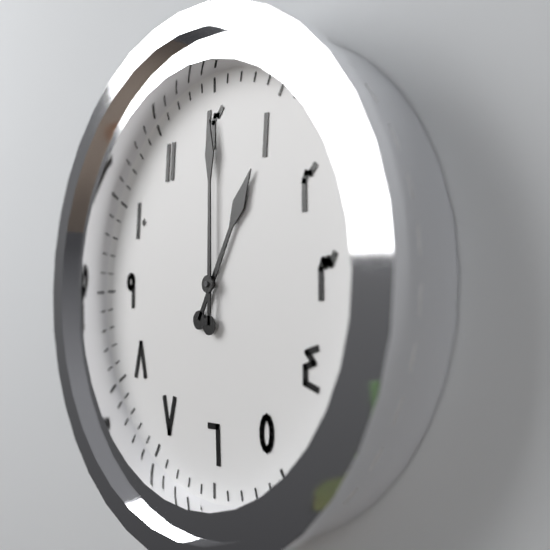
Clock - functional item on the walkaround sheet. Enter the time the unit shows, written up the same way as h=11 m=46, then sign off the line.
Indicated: h=1 m=0
